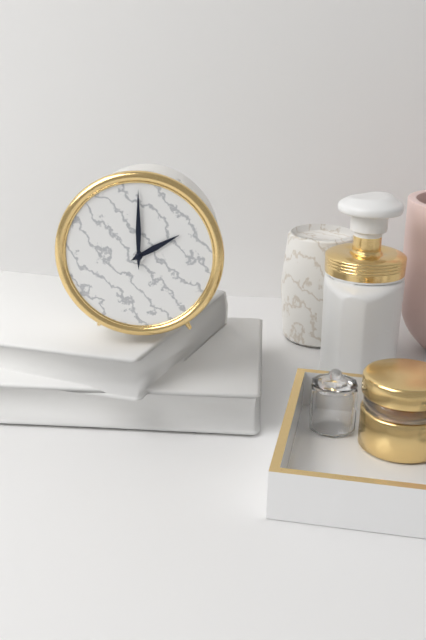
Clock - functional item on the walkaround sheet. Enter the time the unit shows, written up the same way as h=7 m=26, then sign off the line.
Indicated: h=2 m=0
